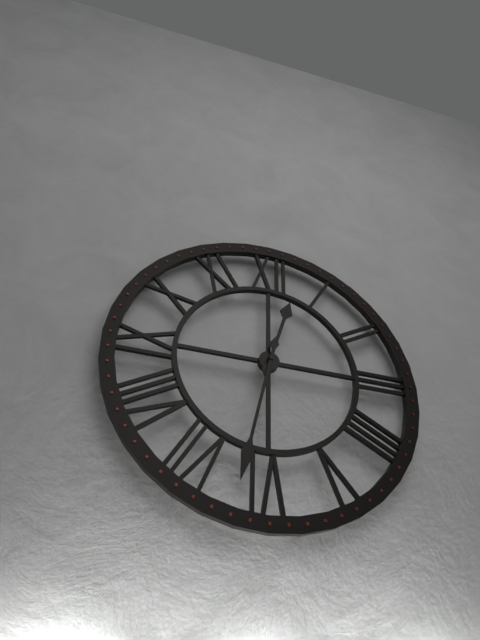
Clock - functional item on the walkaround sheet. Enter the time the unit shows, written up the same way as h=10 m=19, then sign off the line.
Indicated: h=12 m=32
